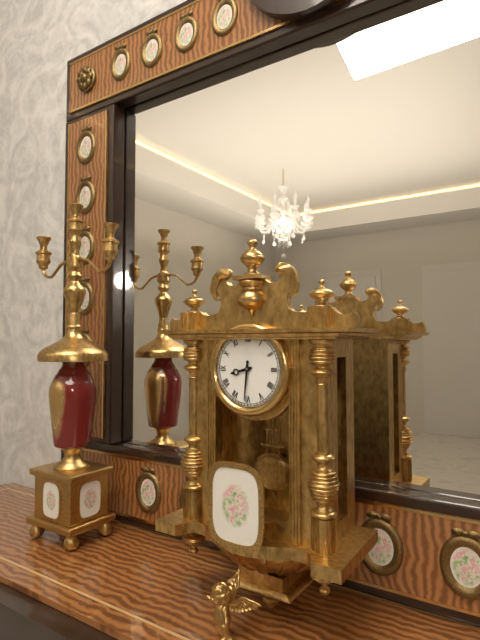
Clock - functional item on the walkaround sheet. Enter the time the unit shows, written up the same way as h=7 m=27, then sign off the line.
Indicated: h=8 m=31
